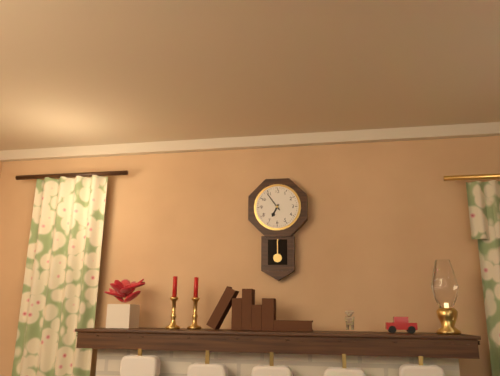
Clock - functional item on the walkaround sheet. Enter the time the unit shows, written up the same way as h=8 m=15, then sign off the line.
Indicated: h=6 m=54
